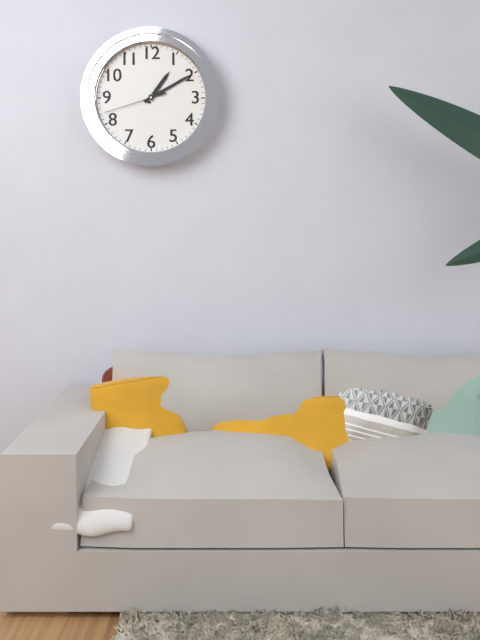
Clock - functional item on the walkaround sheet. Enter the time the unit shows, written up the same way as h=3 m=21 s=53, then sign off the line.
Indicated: h=1 m=10 s=42
